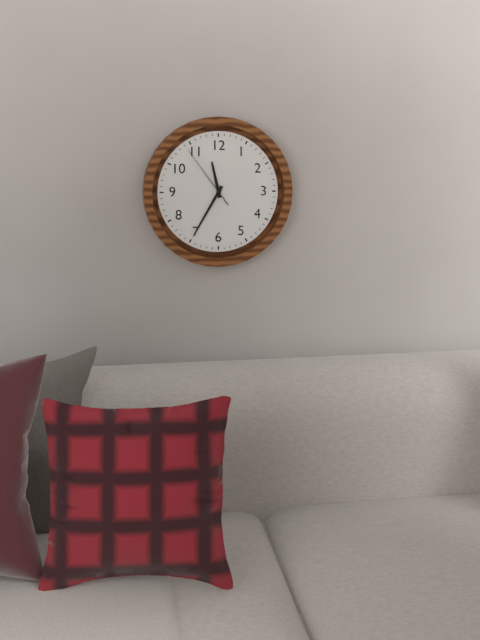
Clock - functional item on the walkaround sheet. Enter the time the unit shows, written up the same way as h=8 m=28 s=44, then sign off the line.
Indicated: h=11 m=35 s=54
